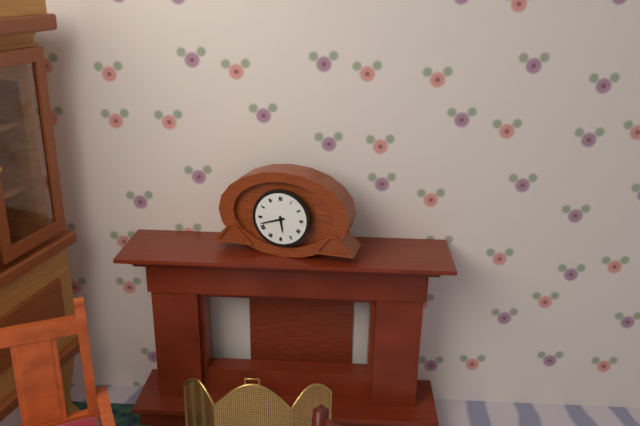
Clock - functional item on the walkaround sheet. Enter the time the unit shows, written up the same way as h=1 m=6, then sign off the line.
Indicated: h=5 m=42
